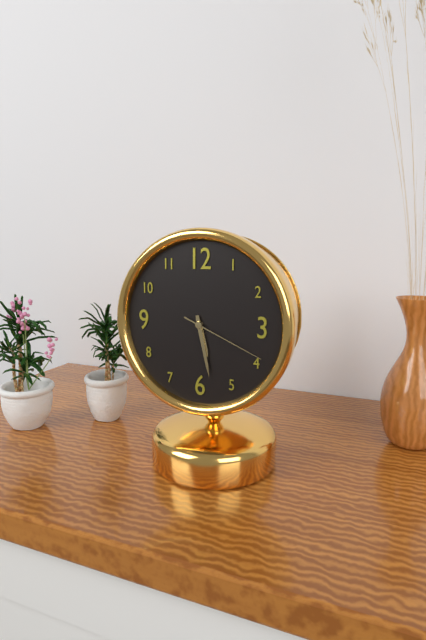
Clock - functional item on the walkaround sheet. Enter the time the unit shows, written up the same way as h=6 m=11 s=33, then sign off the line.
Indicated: h=5 m=28 s=19
